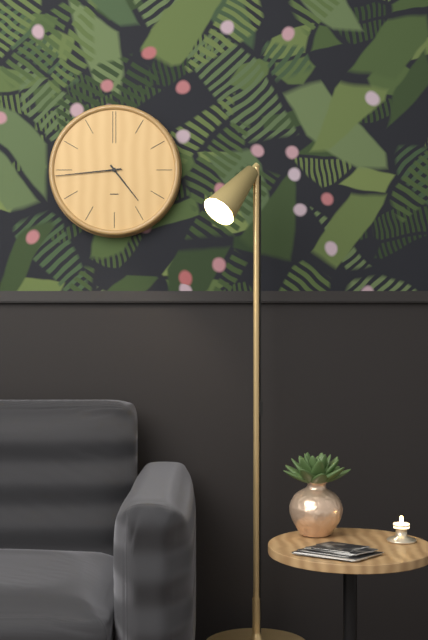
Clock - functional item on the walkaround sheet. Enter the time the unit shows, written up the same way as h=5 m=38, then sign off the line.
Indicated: h=4 m=44
